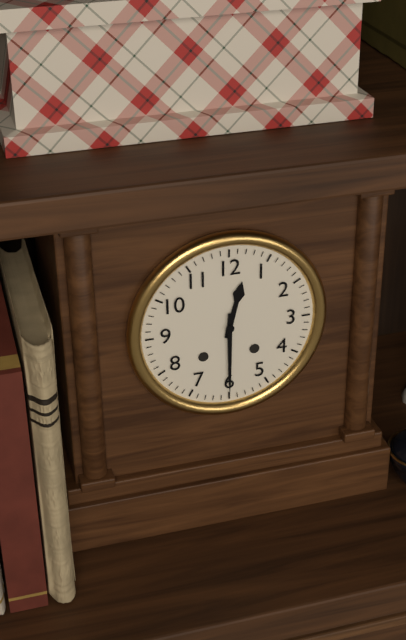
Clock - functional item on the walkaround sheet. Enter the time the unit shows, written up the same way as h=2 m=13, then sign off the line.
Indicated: h=12 m=30
